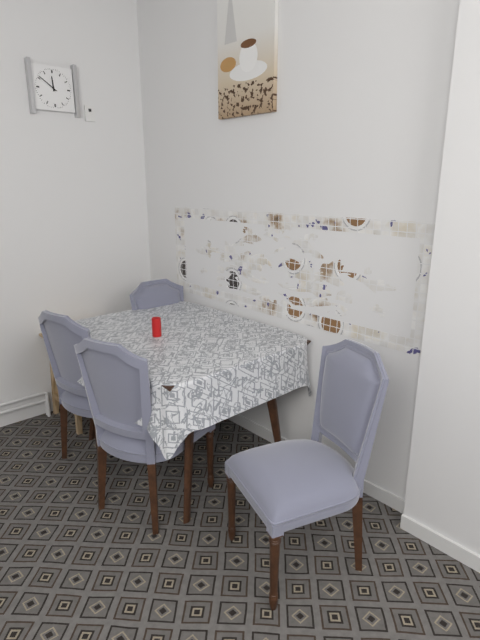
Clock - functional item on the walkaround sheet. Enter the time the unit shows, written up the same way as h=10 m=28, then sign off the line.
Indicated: h=11 m=51
